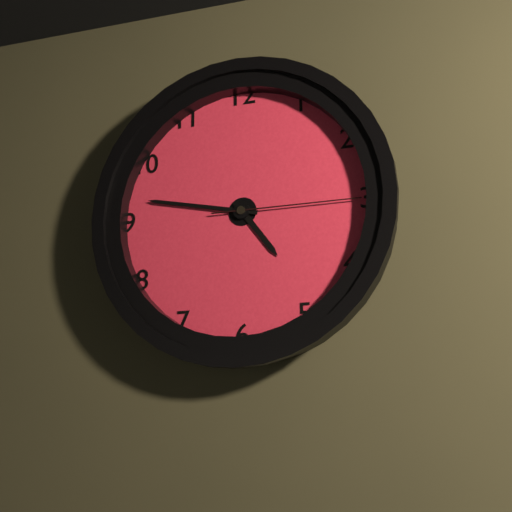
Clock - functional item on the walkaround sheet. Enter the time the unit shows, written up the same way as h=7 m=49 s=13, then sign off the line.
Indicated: h=4 m=47 s=15
